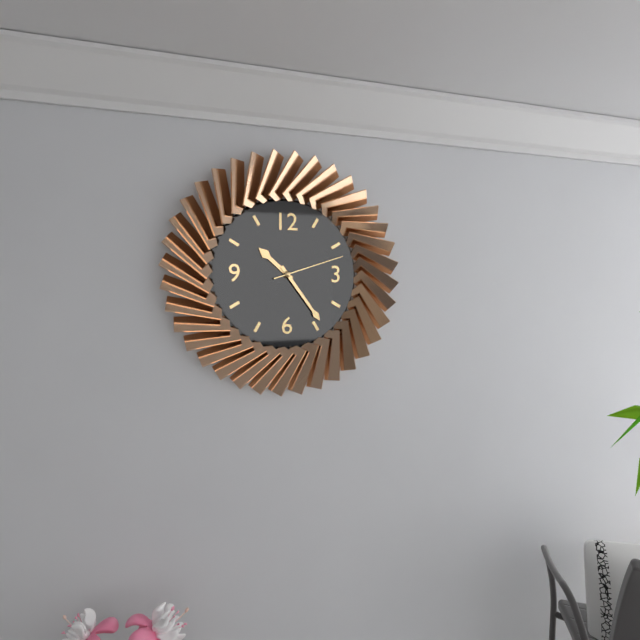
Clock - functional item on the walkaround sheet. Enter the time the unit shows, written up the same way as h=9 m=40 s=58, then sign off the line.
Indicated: h=10 m=24 s=12
